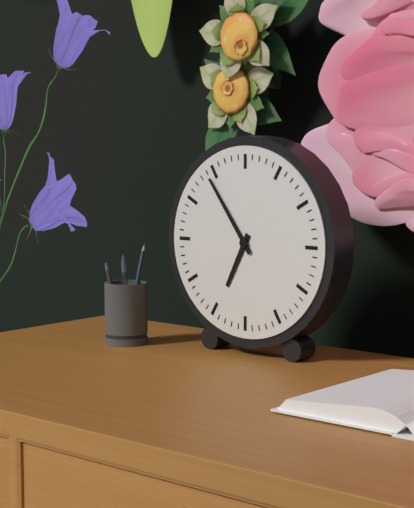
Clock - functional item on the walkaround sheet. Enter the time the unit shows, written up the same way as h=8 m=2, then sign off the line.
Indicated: h=6 m=54
